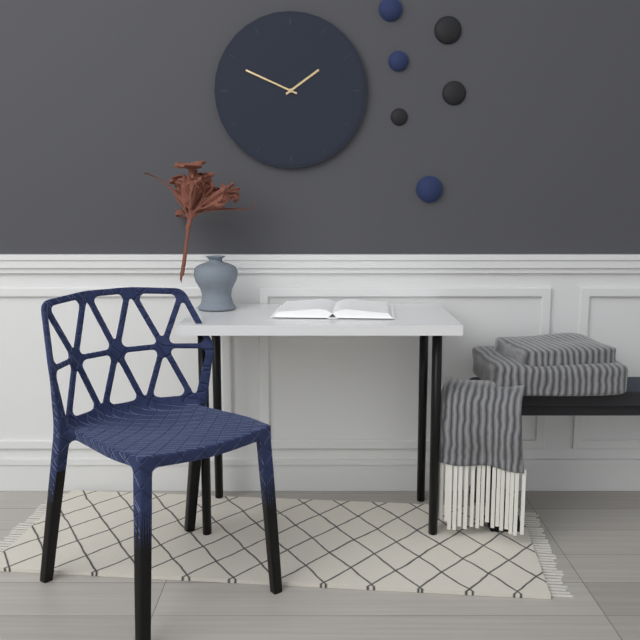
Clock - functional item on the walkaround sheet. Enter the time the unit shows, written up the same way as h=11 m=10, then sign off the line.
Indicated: h=1 m=49
